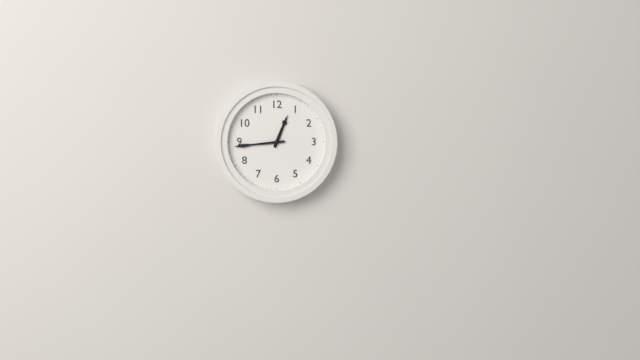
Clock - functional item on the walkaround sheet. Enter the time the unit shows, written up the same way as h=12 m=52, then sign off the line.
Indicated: h=12 m=44
